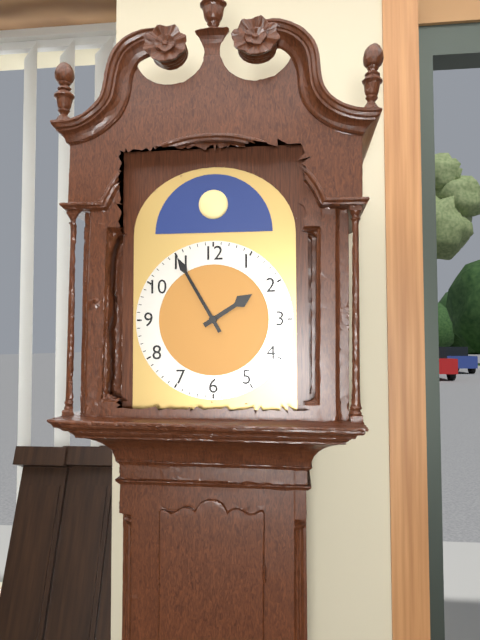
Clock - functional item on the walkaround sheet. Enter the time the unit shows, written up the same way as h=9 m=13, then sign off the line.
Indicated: h=1 m=55
